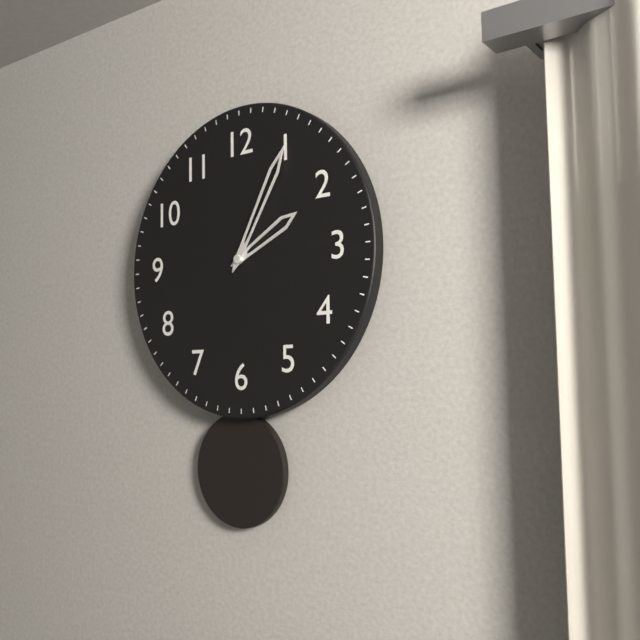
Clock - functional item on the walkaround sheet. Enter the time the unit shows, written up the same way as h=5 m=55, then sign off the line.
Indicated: h=2 m=5
